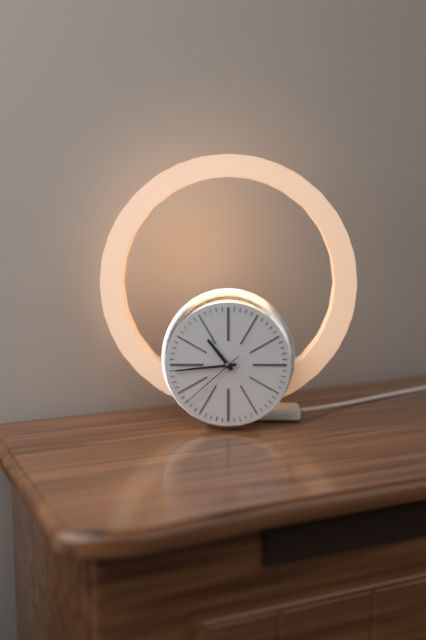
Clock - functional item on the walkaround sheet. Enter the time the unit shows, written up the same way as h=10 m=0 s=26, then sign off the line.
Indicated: h=10 m=44 s=38
